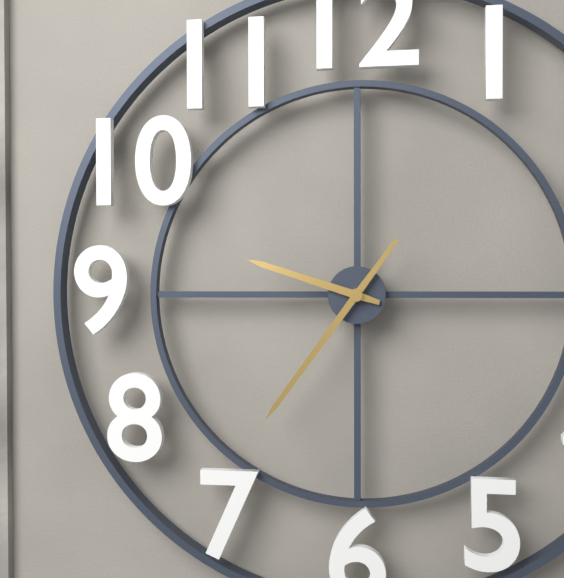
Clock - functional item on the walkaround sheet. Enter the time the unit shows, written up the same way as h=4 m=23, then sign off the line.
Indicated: h=9 m=36
